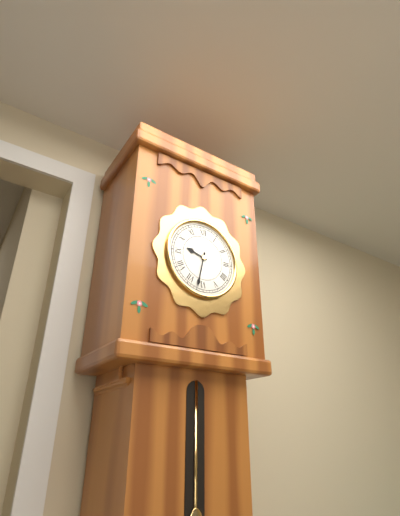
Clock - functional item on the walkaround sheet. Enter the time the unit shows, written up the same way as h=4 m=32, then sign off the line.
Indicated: h=9 m=32
